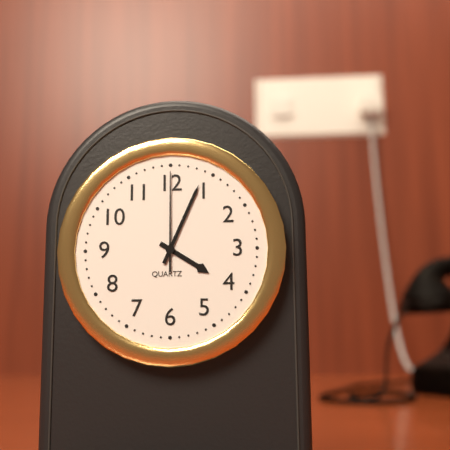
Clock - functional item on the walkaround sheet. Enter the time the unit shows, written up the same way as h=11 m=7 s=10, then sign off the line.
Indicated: h=4 m=4 s=0
